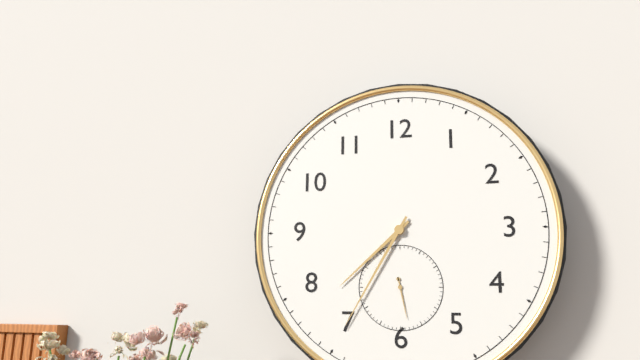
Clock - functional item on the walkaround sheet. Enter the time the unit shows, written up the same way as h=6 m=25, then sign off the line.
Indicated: h=7 m=35
